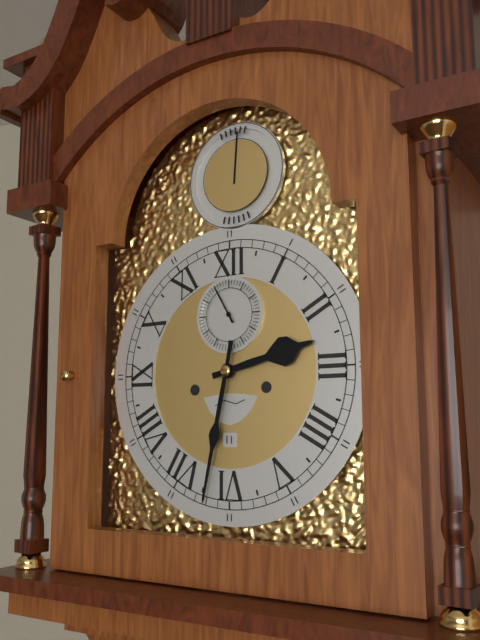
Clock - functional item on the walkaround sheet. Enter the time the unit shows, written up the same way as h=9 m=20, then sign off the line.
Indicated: h=2 m=32
